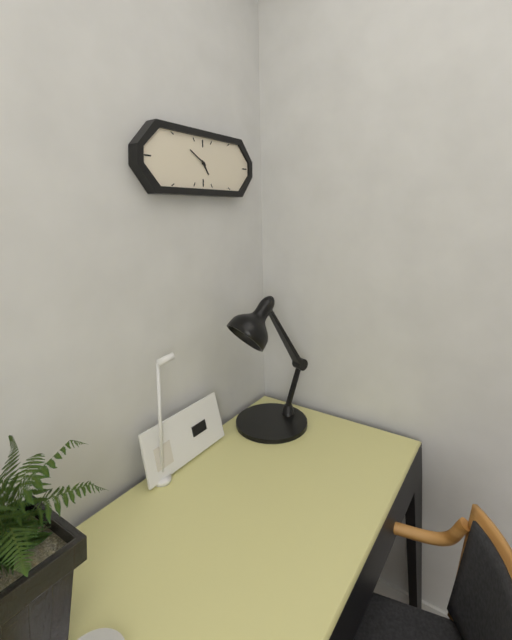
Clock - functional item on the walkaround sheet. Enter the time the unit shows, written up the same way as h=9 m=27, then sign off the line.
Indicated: h=4 m=50
